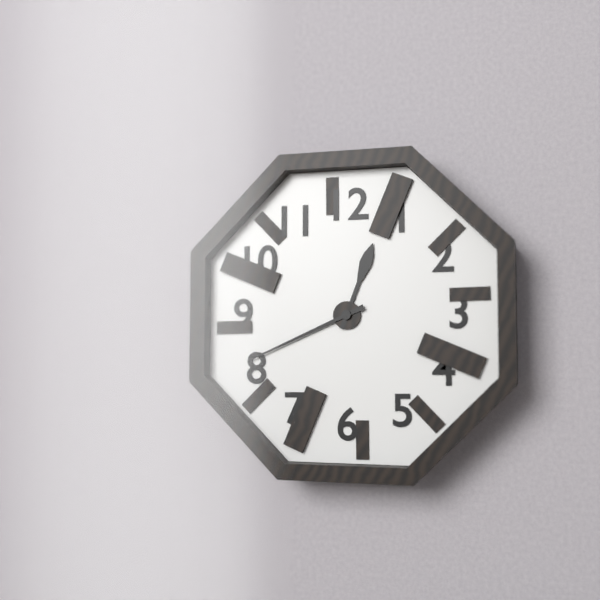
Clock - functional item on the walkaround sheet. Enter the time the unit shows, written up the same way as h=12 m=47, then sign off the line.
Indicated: h=12 m=41
